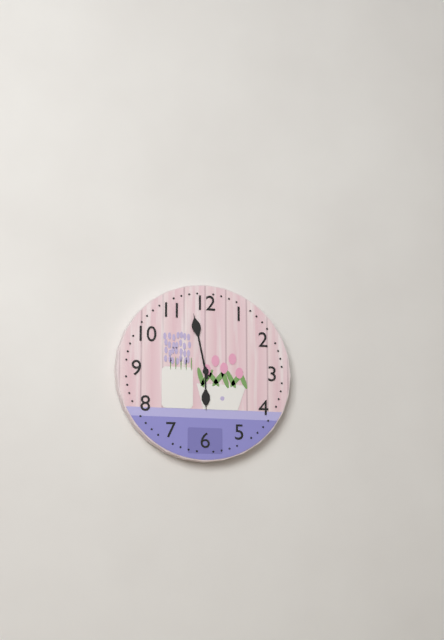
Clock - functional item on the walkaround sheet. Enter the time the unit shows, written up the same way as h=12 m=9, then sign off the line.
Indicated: h=5 m=58
